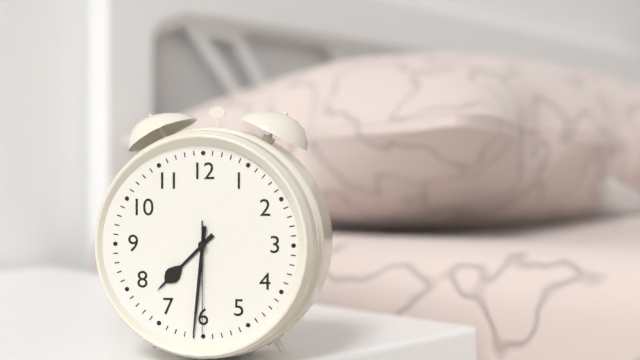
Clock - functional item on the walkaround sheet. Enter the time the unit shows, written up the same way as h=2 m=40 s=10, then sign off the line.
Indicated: h=7 m=31 s=30
